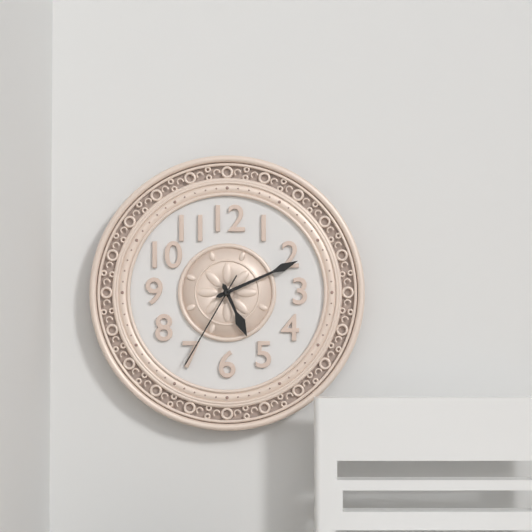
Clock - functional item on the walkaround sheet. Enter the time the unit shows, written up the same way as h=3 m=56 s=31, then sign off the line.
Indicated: h=5 m=11 s=35
